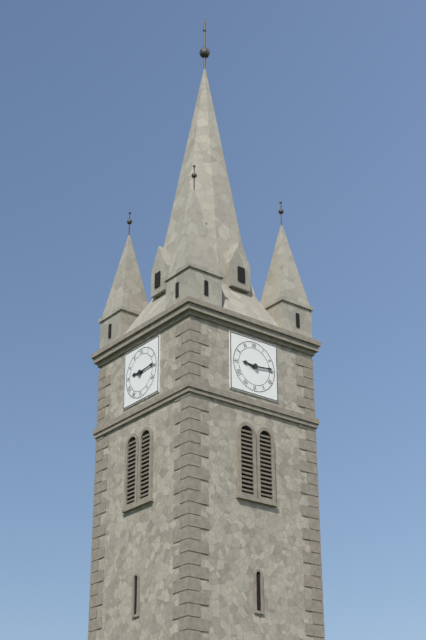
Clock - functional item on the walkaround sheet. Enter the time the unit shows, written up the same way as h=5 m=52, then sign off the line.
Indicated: h=9 m=14
